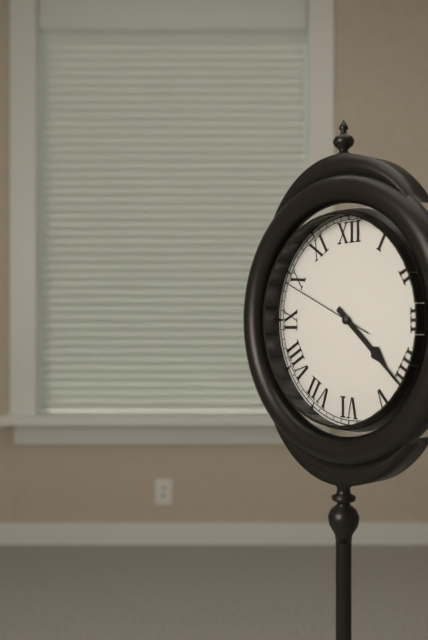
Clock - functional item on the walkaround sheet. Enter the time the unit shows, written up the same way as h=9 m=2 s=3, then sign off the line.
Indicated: h=4 m=22 s=49
